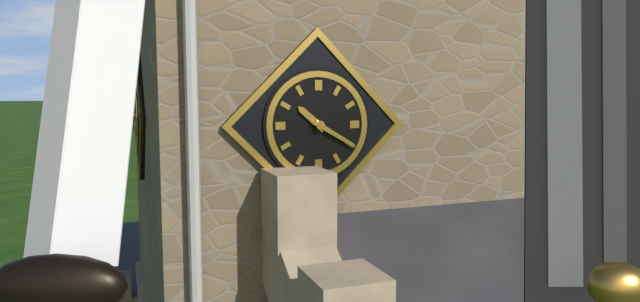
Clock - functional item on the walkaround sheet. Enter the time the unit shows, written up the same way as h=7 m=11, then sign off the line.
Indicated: h=10 m=20
